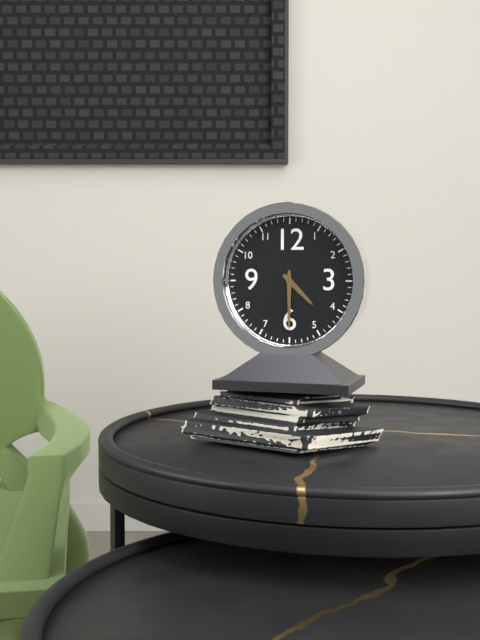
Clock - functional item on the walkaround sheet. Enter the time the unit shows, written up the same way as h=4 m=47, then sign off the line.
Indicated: h=4 m=30
